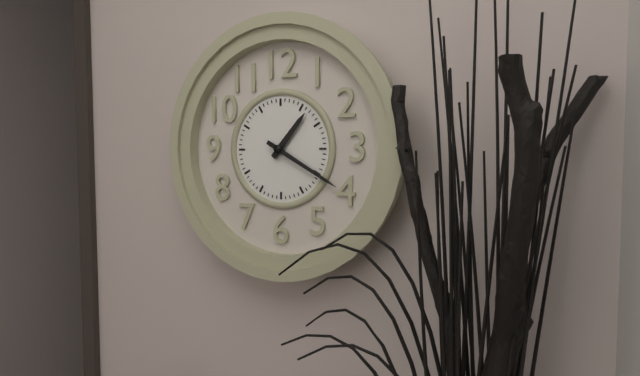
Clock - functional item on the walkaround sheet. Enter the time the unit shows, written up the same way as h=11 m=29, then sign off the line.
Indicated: h=1 m=20
